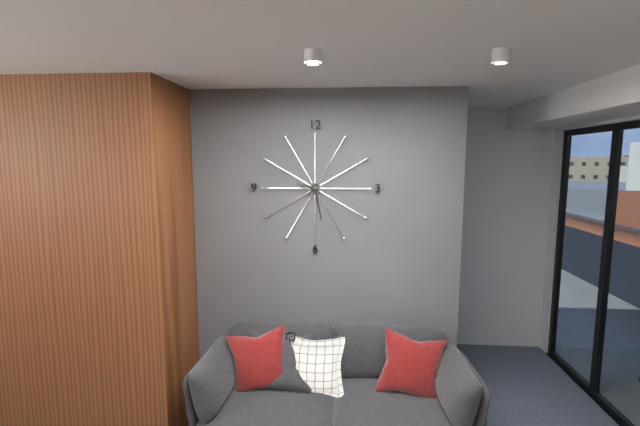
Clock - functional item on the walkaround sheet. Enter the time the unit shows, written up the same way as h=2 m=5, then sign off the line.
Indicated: h=9 m=28
